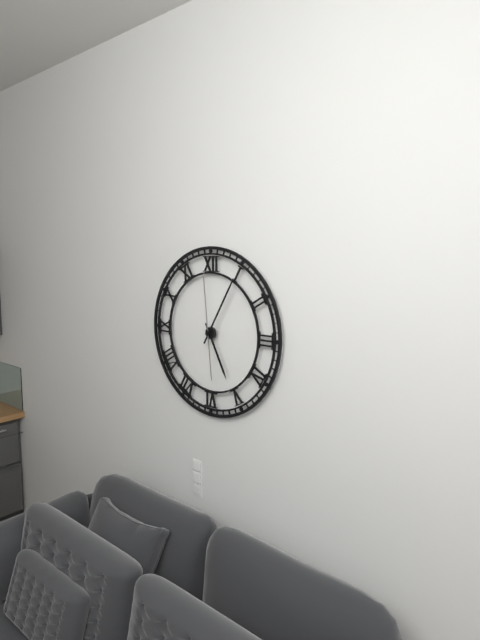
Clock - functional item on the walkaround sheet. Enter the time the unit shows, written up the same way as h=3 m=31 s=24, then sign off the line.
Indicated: h=5 m=5 s=59
